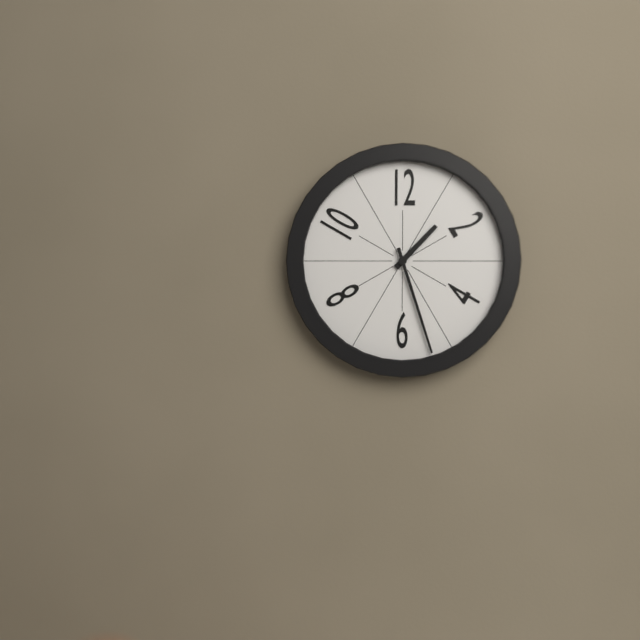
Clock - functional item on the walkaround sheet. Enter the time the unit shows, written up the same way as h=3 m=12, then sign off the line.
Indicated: h=1 m=27
